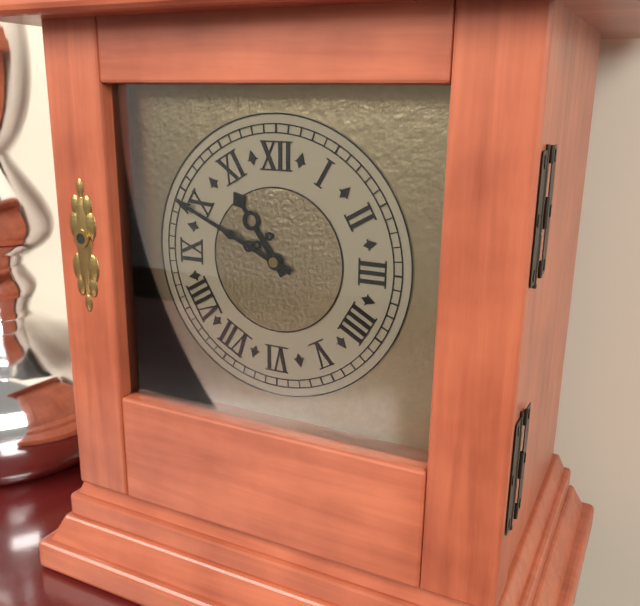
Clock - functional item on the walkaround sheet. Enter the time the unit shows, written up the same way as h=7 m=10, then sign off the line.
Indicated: h=10 m=49
